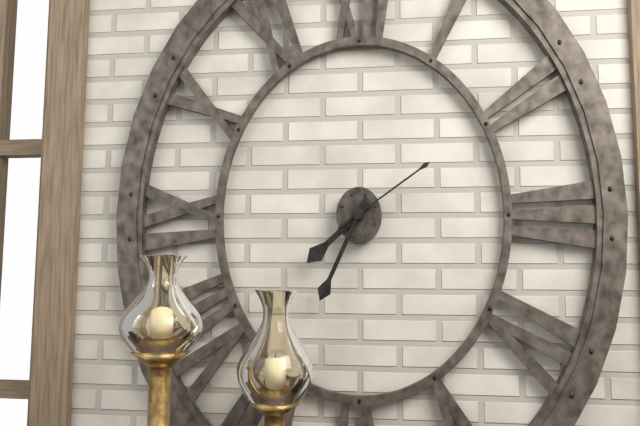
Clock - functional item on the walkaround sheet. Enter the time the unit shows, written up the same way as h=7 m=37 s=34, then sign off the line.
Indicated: h=7 m=34 s=9
